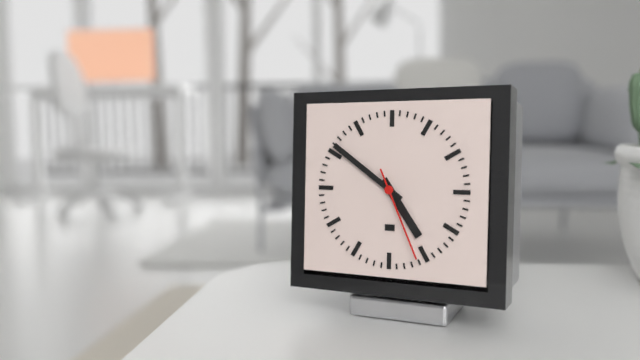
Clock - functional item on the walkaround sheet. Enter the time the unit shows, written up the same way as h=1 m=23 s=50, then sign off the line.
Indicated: h=4 m=51 s=26
